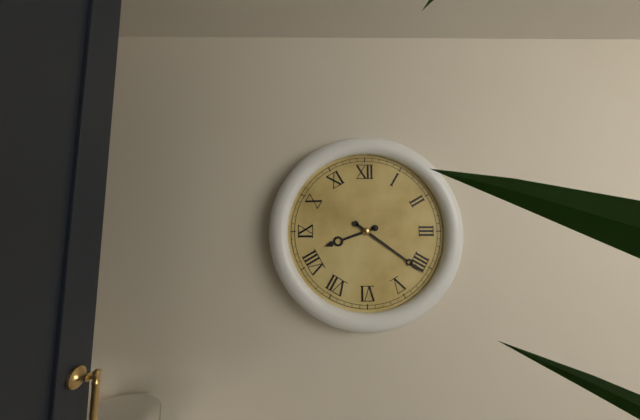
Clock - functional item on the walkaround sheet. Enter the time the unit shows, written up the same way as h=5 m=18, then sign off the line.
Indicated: h=8 m=21
